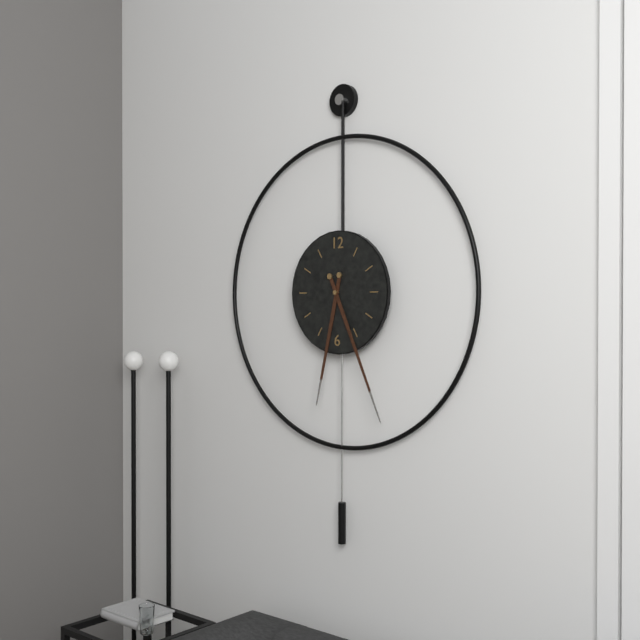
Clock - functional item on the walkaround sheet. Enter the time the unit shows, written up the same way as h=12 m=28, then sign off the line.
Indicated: h=6 m=26
